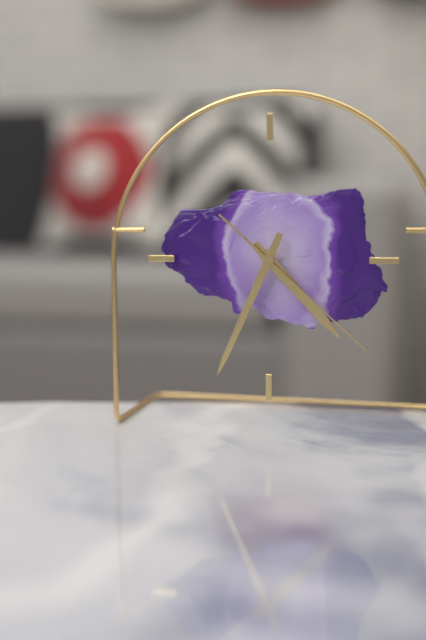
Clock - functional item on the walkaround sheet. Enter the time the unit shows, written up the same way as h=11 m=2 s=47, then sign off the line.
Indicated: h=4 m=34 s=22
